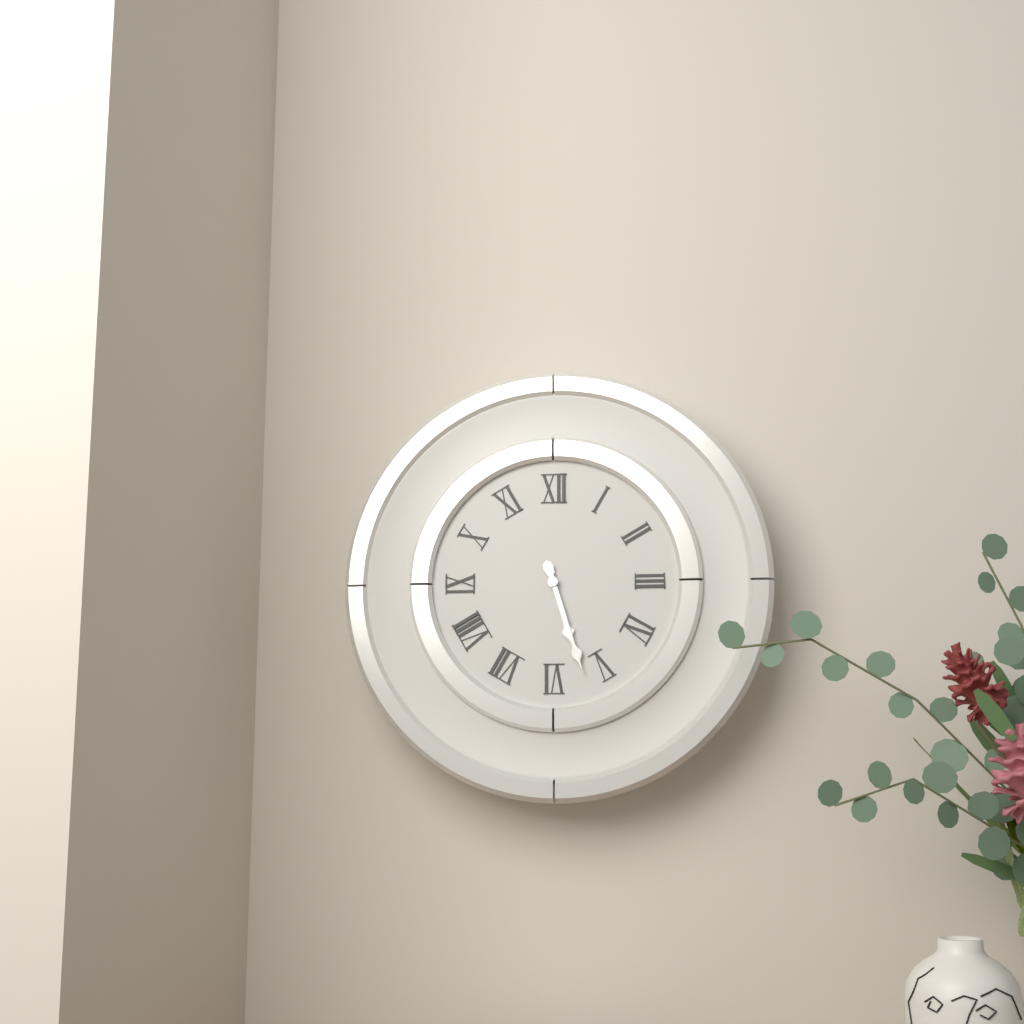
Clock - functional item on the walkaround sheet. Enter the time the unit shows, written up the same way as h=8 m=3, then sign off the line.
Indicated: h=5 m=27
